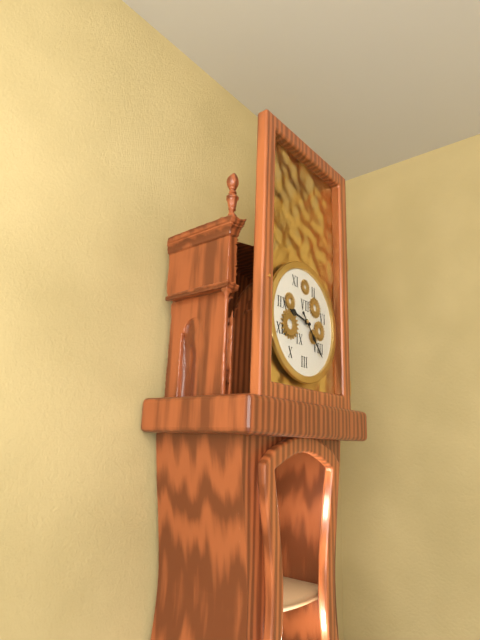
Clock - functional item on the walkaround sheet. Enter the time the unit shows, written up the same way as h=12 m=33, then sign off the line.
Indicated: h=9 m=23
